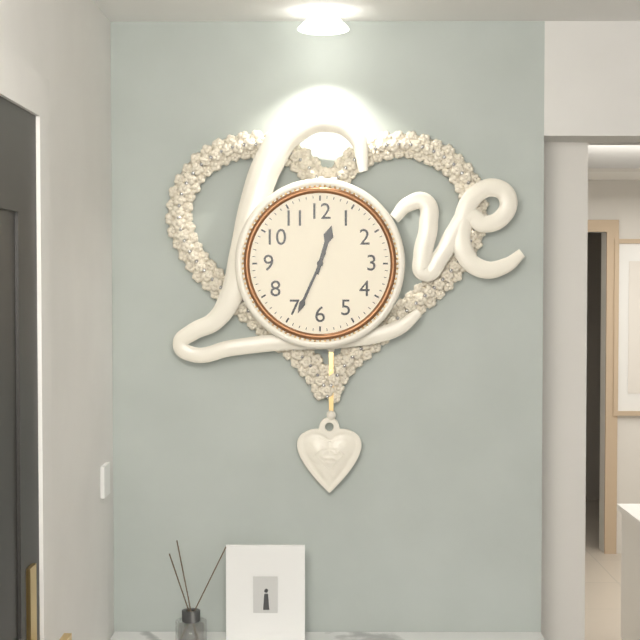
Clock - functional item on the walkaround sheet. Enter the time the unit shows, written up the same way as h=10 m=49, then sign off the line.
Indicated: h=12 m=34
